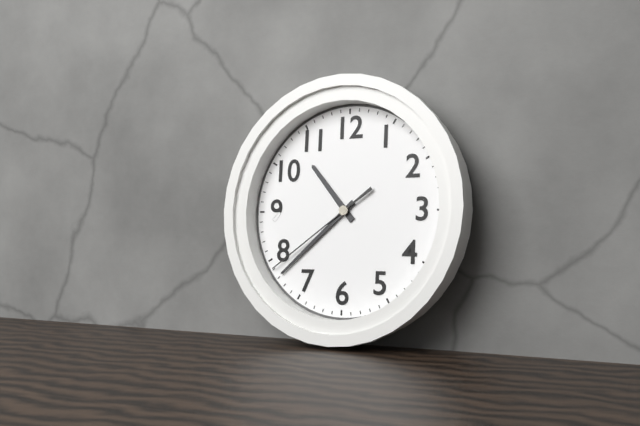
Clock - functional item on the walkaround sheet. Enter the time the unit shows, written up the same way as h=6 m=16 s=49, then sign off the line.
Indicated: h=10 m=38 s=39
